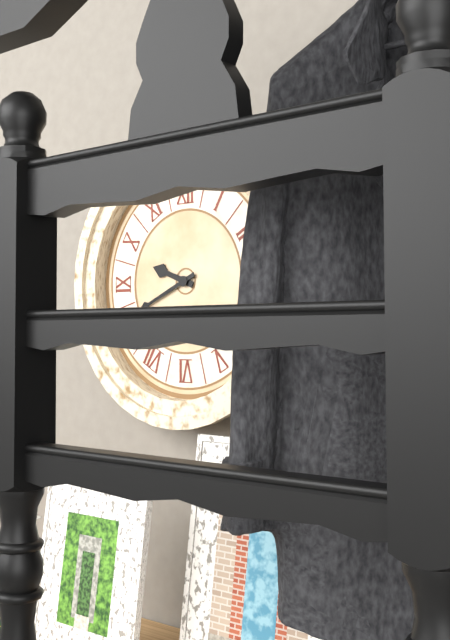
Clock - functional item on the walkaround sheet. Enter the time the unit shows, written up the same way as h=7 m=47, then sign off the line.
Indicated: h=9 m=41
